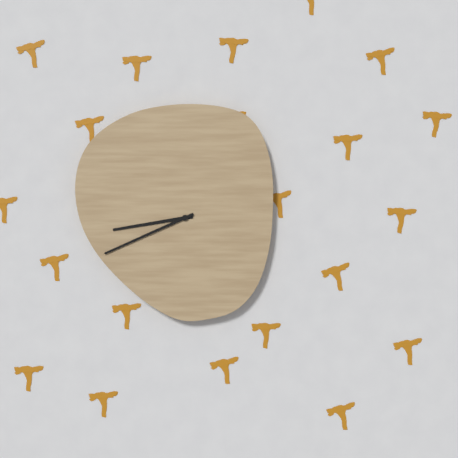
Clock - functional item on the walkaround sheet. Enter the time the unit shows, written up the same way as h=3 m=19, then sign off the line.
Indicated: h=8 m=41
